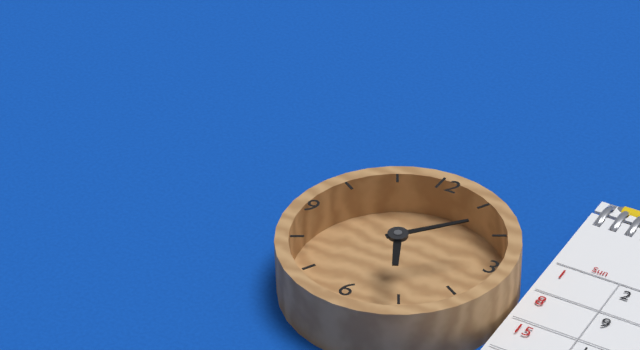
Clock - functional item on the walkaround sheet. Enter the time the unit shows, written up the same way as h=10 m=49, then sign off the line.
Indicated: h=5 m=7
